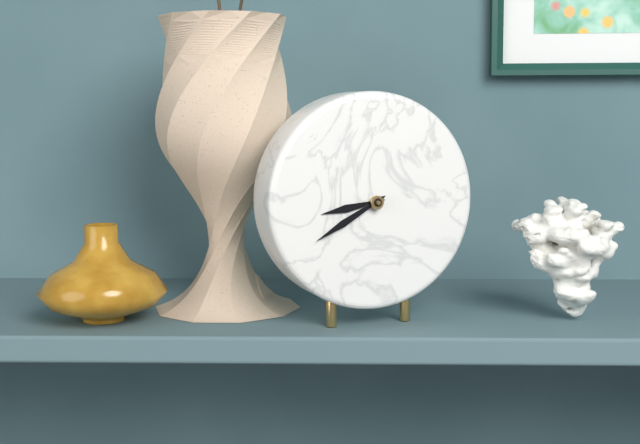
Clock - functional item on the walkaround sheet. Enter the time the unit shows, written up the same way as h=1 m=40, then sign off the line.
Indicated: h=8 m=40
